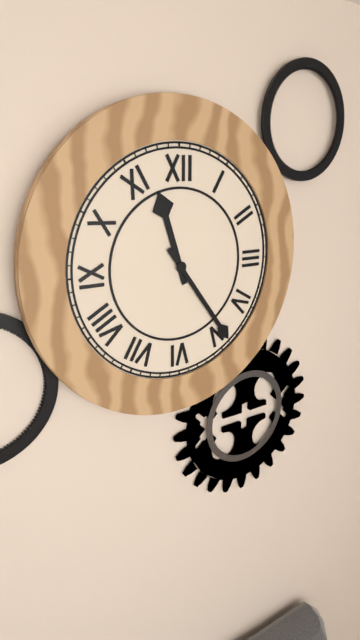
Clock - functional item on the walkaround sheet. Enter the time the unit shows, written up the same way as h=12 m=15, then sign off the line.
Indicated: h=11 m=24
